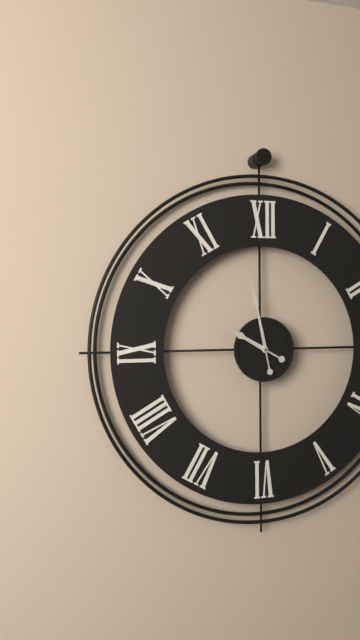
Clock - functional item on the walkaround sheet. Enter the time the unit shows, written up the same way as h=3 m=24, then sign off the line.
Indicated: h=9 m=58
